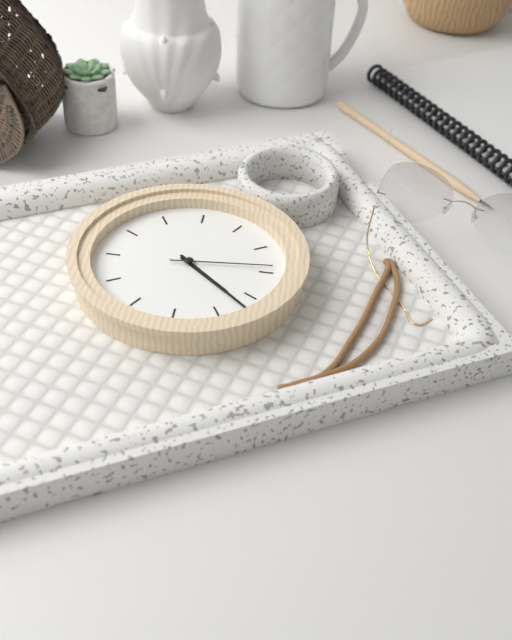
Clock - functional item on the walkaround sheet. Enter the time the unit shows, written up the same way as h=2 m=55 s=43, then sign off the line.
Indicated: h=4 m=22 s=14
